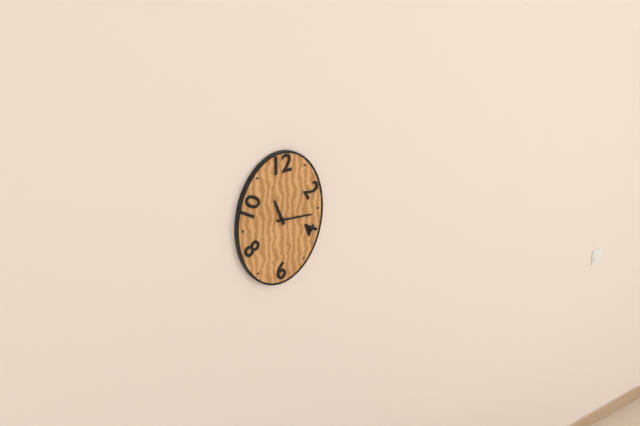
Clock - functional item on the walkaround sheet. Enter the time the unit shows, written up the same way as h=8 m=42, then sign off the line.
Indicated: h=11 m=16
